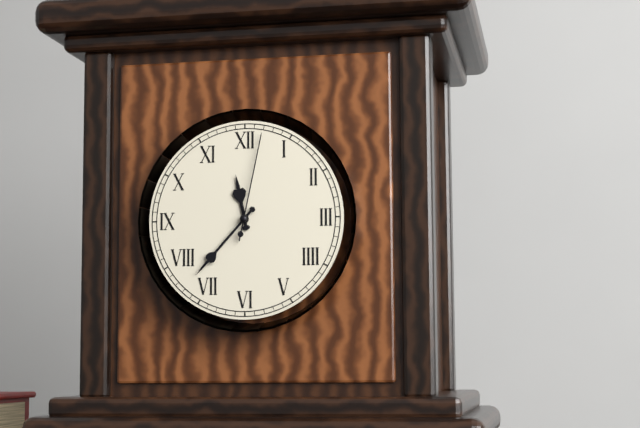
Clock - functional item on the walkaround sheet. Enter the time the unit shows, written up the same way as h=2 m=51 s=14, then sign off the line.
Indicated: h=11 m=37 s=2
